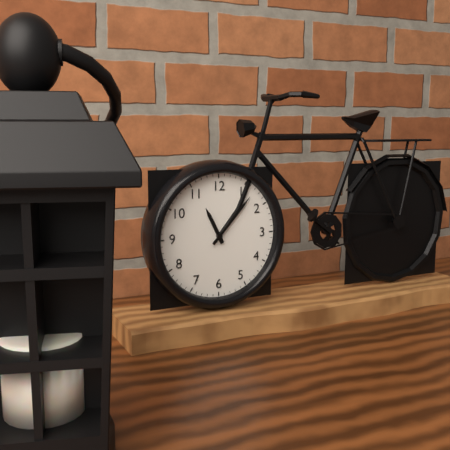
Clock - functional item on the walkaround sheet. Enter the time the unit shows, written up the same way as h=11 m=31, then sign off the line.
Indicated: h=11 m=7
